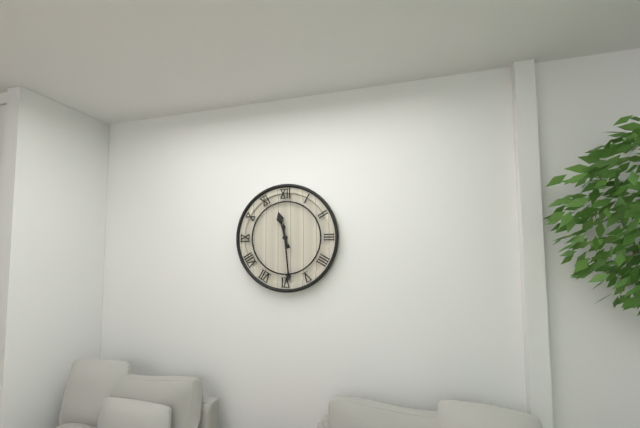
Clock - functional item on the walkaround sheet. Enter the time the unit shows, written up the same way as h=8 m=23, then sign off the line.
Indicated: h=11 m=29
